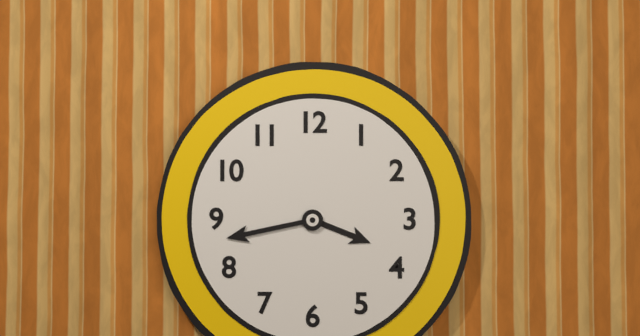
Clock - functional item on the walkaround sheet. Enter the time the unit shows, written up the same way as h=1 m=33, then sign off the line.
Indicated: h=3 m=43
